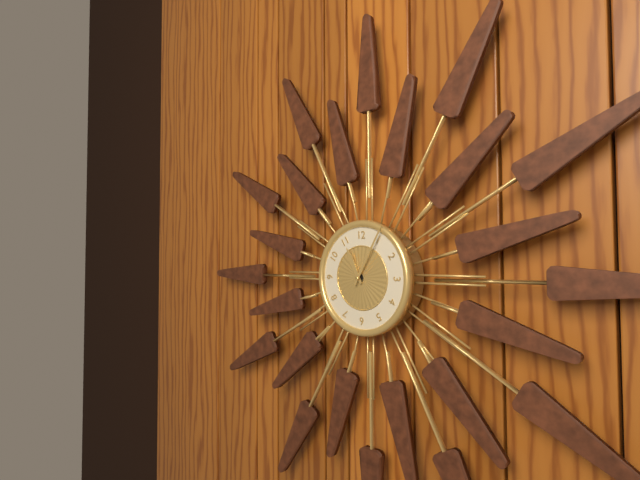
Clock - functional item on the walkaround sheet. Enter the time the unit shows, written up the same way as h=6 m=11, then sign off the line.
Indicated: h=11 m=5
